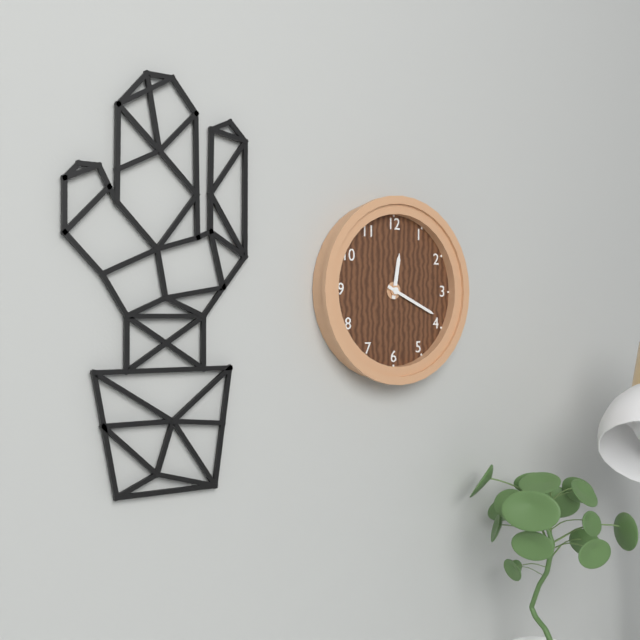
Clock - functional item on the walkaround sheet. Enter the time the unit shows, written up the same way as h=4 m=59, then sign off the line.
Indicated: h=12 m=19
